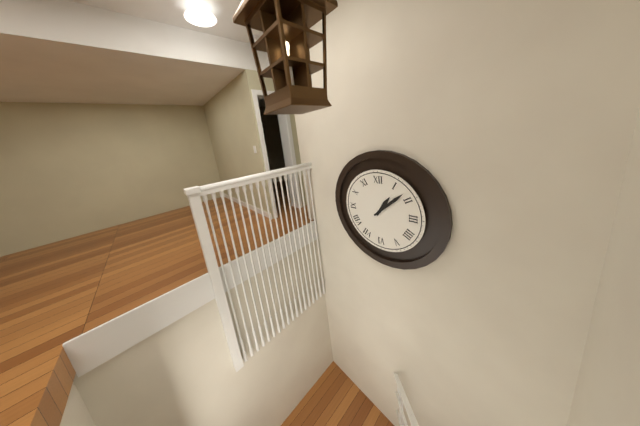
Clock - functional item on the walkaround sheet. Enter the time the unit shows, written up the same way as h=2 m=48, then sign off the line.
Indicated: h=1 m=8
